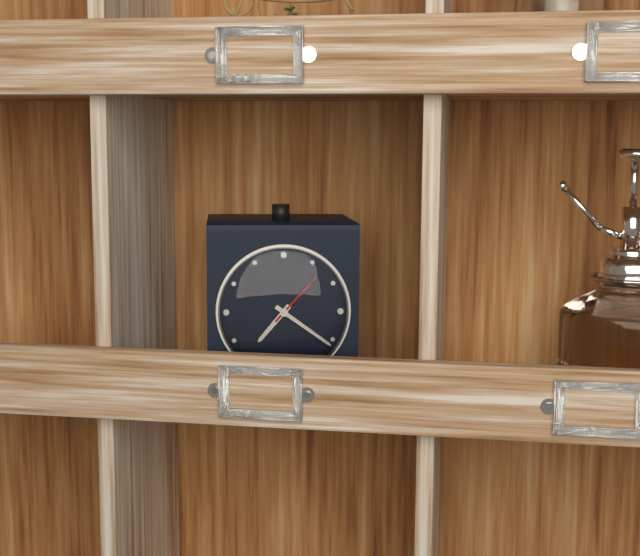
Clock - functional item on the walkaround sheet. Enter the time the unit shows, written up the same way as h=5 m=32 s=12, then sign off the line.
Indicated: h=7 m=21 s=7
